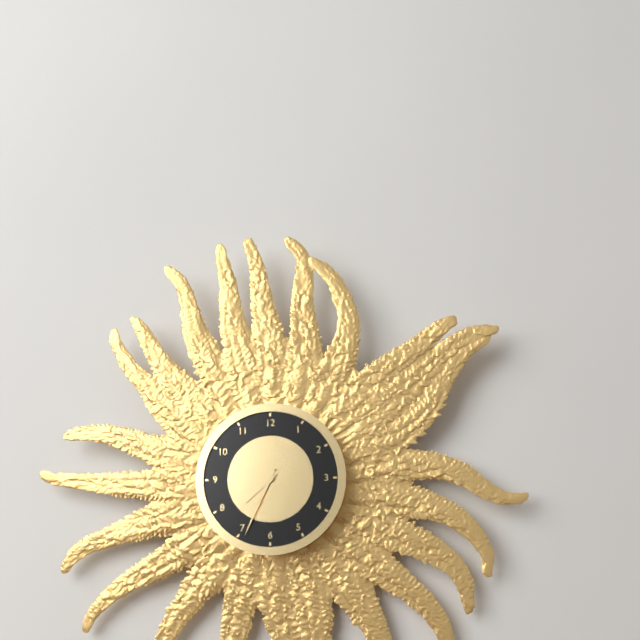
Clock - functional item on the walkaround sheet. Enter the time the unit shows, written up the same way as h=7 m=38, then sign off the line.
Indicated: h=7 m=34
